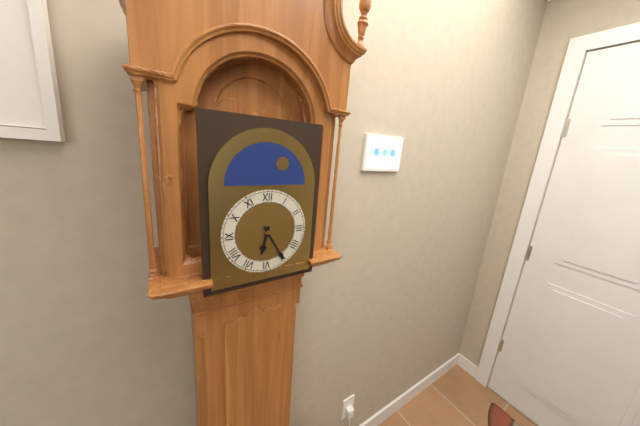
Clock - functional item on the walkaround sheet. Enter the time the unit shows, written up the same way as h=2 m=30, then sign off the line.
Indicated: h=6 m=25
